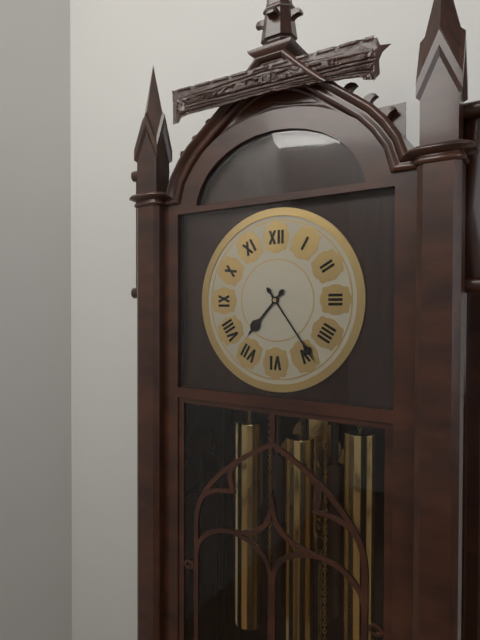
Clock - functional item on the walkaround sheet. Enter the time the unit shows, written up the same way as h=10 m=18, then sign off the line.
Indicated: h=7 m=24
